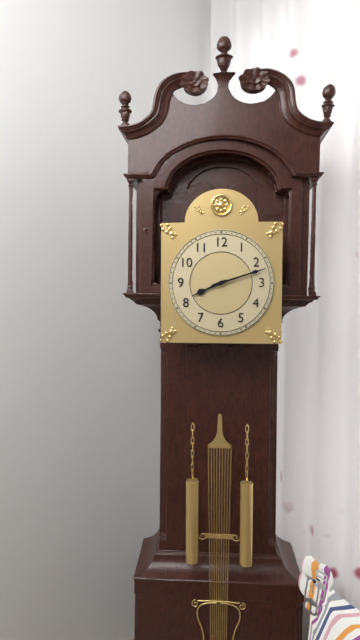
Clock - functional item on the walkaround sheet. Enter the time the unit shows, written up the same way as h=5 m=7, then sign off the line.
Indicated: h=8 m=12
